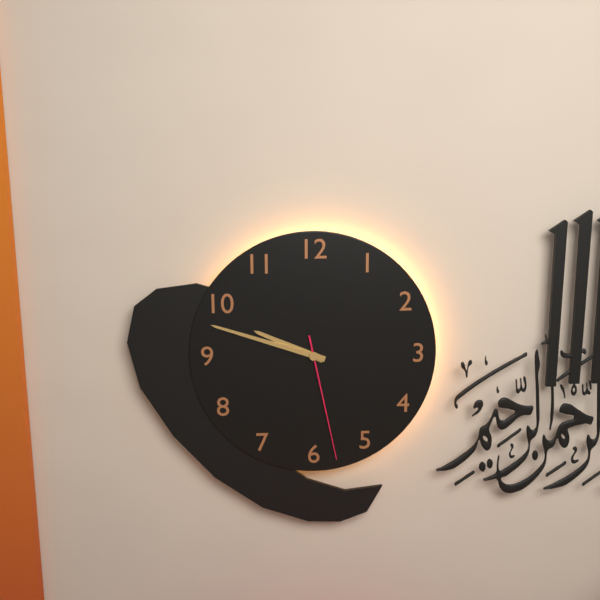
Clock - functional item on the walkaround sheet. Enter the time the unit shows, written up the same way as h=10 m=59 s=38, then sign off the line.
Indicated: h=9 m=48 s=28
